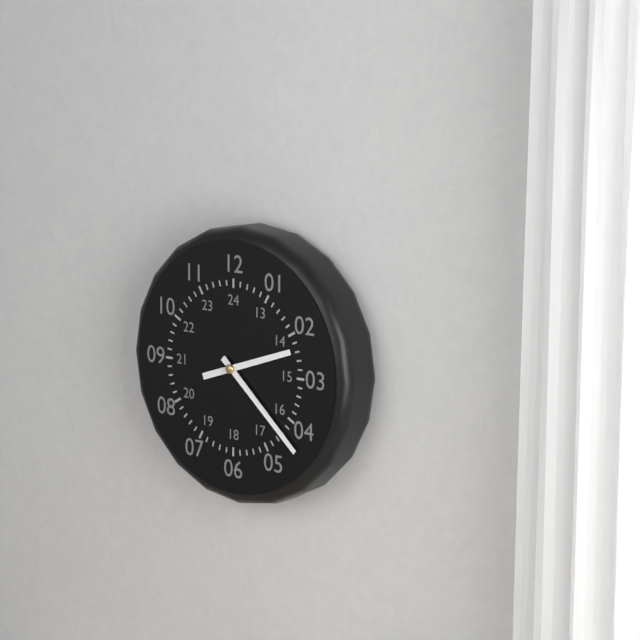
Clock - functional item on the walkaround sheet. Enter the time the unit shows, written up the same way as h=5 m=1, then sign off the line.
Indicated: h=2 m=22
